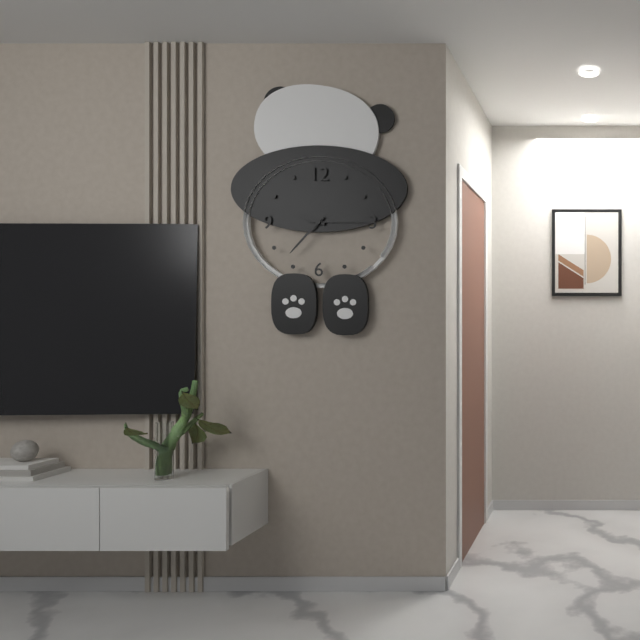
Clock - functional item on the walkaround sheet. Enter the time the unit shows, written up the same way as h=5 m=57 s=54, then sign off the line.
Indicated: h=9 m=37 s=15
